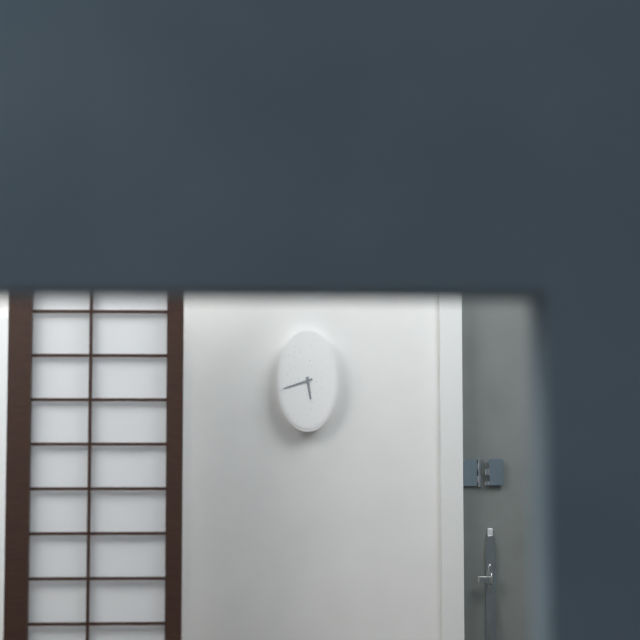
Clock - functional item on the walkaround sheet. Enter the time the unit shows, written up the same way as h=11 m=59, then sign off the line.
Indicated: h=5 m=42
